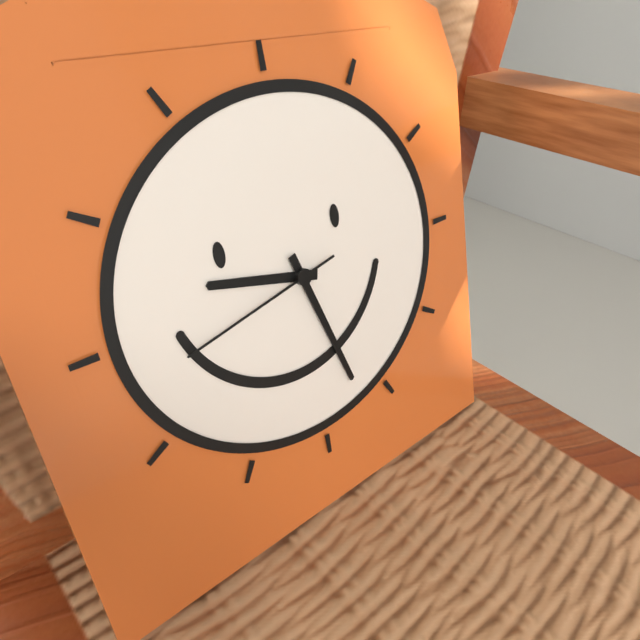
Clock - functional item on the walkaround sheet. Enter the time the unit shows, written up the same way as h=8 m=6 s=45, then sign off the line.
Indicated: h=9 m=27 s=43
